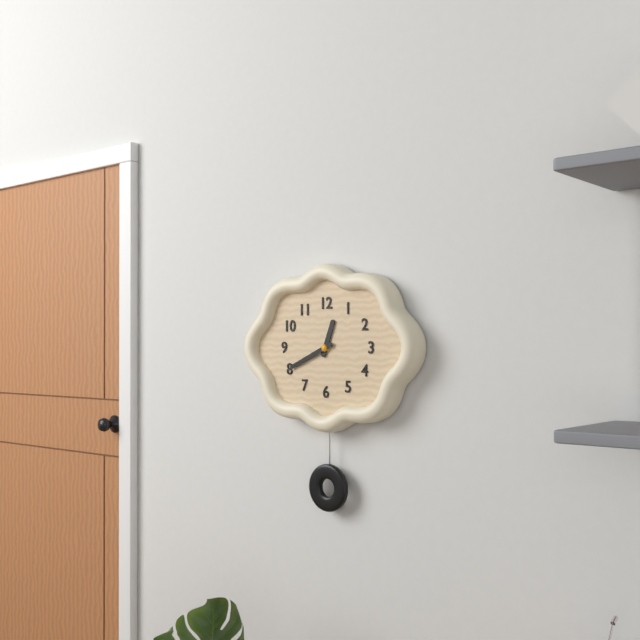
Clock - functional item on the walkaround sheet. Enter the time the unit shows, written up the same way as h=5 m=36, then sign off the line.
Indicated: h=12 m=41
